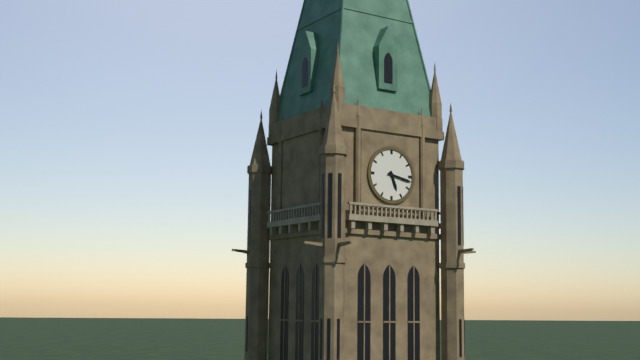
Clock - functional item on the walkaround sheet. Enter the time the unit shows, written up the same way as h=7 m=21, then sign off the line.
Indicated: h=5 m=17
